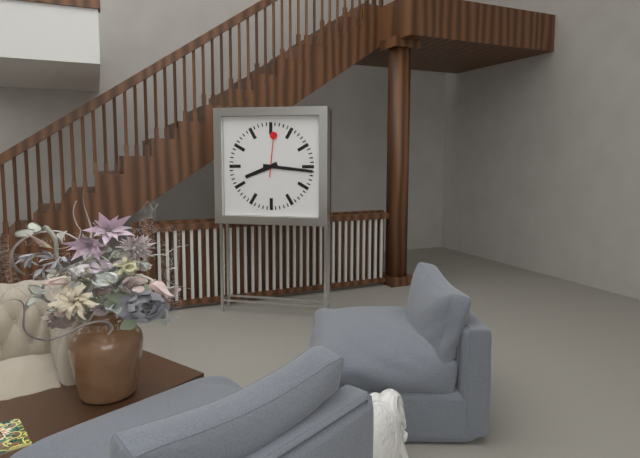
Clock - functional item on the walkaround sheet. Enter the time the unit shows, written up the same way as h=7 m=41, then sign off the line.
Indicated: h=8 m=16
